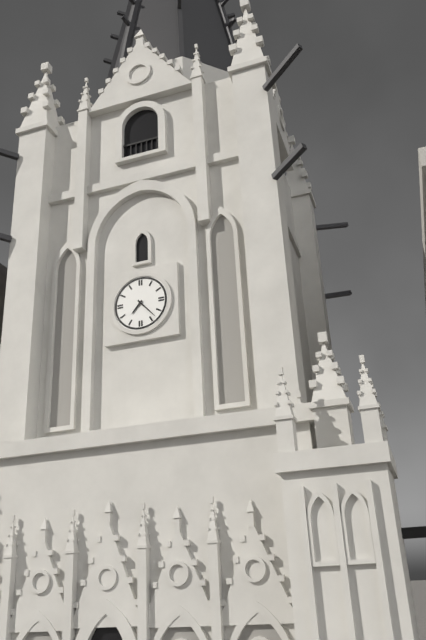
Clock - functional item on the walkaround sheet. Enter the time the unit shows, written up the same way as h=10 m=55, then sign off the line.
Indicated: h=7 m=23
